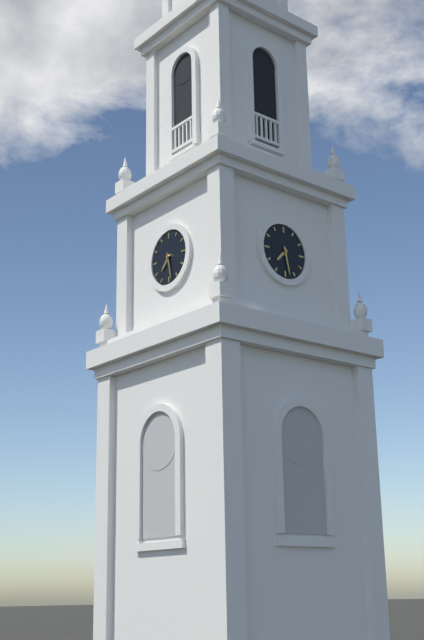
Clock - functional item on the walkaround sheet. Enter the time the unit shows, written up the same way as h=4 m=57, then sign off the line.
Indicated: h=7 m=28
